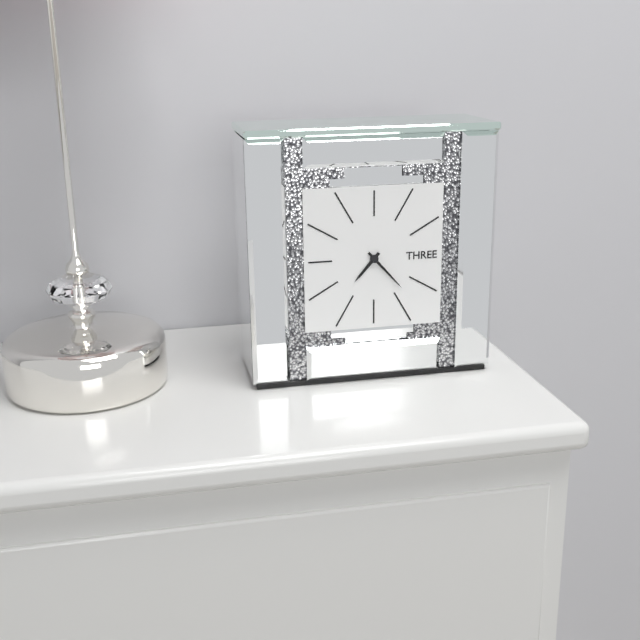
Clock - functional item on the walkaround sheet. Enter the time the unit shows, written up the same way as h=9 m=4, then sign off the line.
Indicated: h=7 m=23
